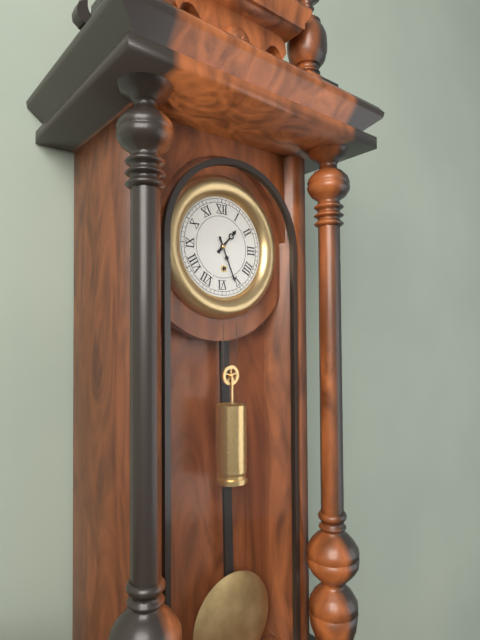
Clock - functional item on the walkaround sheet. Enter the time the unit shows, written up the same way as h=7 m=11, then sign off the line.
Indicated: h=1 m=26
